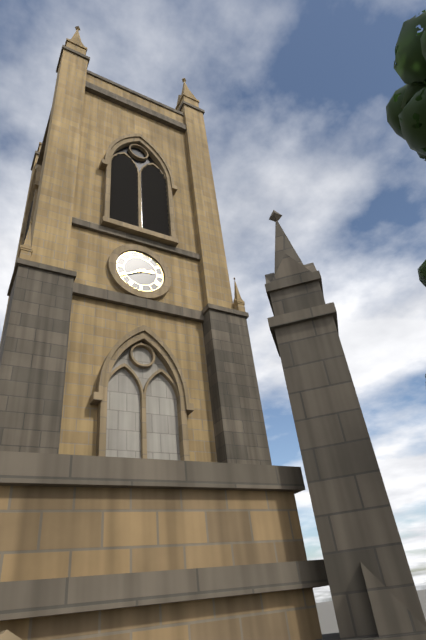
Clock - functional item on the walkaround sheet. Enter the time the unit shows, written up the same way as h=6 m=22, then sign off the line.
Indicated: h=2 m=40
